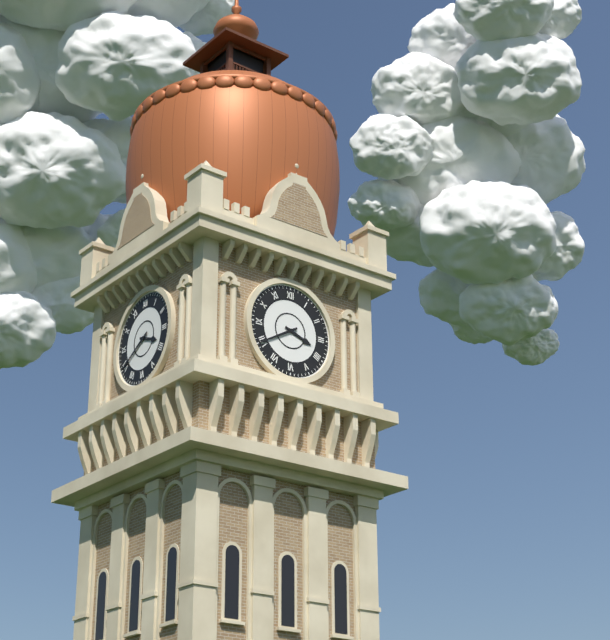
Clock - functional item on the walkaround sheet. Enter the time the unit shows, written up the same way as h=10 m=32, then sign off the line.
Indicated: h=3 m=40
